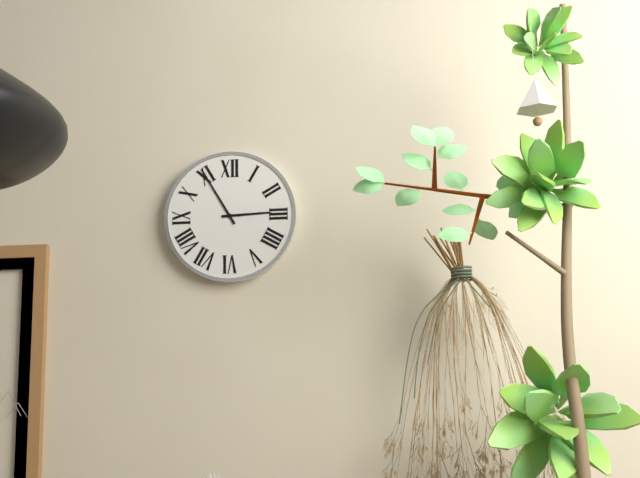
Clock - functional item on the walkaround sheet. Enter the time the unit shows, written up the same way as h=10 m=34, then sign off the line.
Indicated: h=2 m=55
